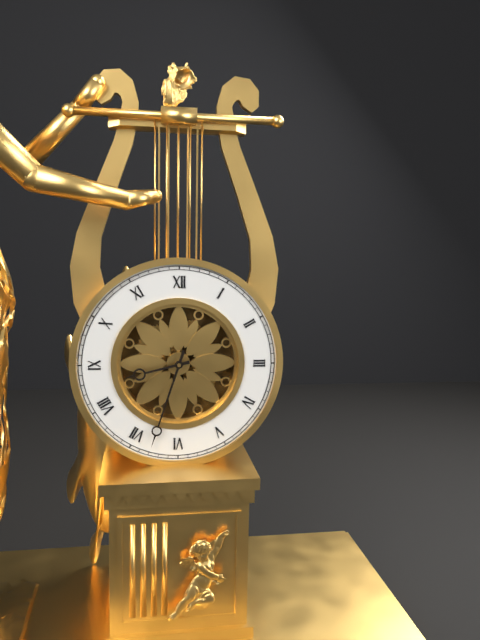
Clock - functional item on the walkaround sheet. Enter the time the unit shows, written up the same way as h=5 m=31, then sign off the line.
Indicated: h=8 m=33
